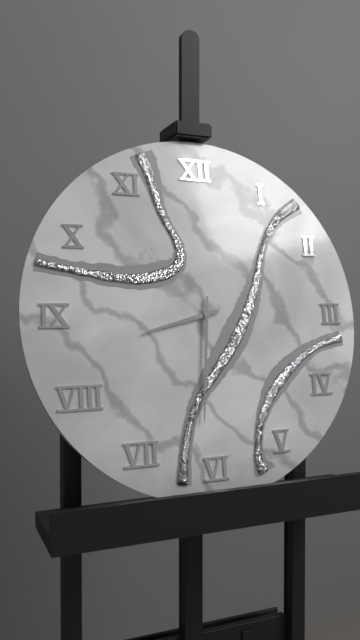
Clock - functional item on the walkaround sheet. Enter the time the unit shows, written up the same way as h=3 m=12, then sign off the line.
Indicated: h=8 m=31
